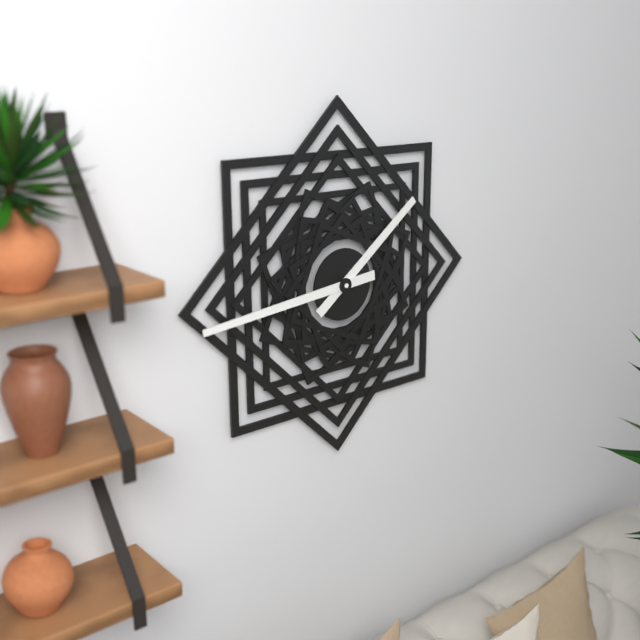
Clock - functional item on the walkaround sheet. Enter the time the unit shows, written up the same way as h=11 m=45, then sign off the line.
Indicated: h=1 m=44
